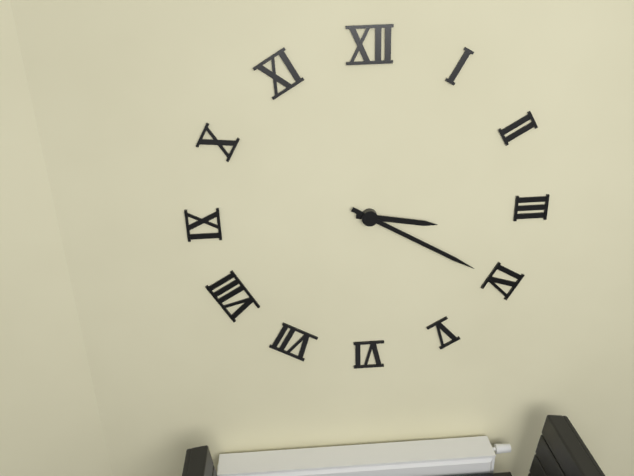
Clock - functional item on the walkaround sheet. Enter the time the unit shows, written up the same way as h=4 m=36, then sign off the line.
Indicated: h=3 m=20
